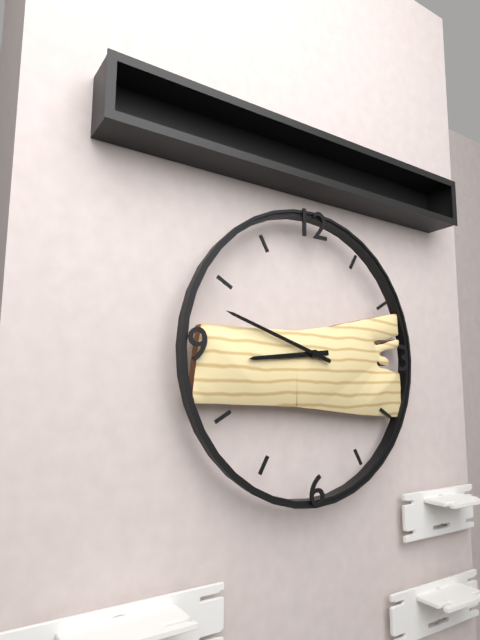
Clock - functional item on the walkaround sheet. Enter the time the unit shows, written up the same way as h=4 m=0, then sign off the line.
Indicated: h=8 m=48
